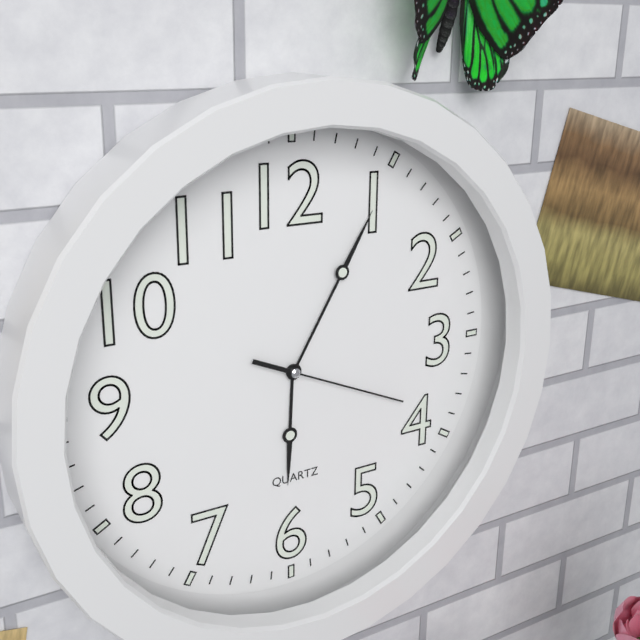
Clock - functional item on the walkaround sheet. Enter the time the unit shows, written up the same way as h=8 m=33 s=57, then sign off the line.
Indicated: h=6 m=5 s=19
